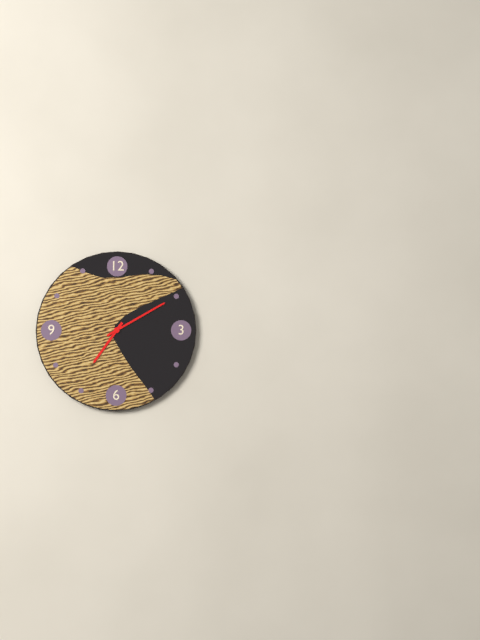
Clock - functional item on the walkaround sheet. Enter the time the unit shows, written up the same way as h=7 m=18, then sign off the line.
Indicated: h=7 m=10
